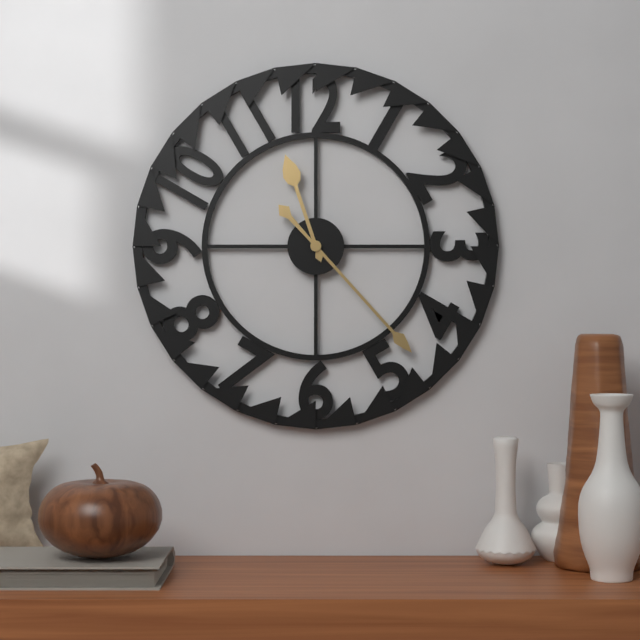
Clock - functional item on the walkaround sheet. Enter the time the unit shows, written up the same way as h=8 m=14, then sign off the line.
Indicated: h=11 m=23
